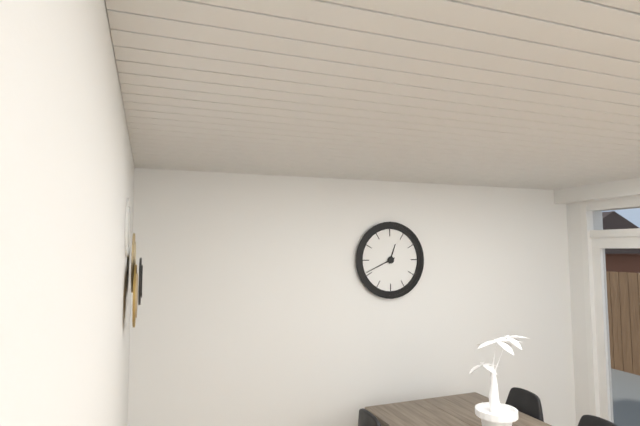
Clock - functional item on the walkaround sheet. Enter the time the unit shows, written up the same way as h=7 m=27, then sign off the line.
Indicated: h=12 m=41
